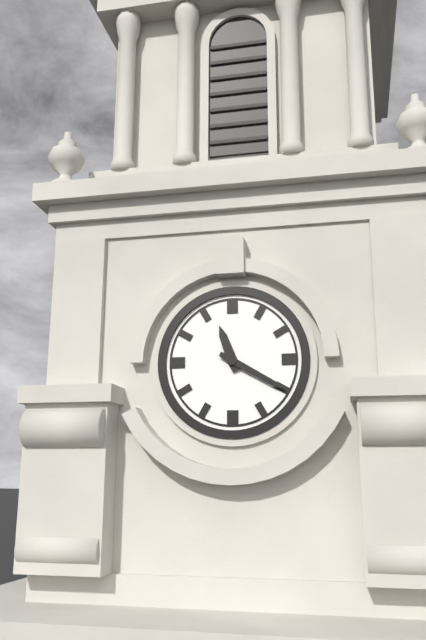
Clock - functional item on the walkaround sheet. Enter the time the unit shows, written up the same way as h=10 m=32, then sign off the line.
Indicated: h=11 m=20
